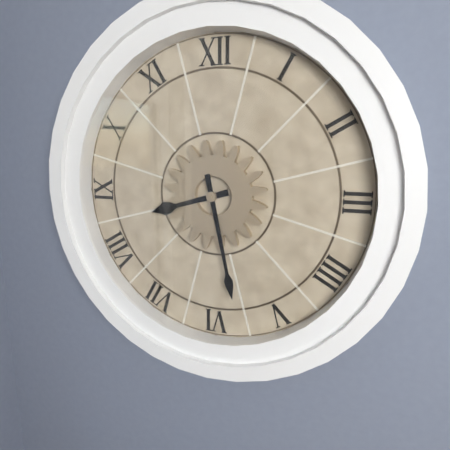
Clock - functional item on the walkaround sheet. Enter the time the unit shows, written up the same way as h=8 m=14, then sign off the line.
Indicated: h=8 m=28
